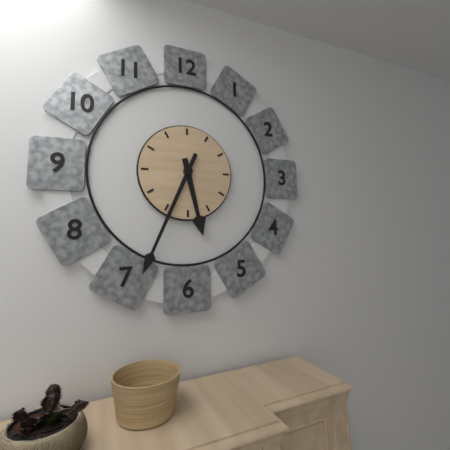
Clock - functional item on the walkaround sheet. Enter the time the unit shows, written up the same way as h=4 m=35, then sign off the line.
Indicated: h=5 m=34
